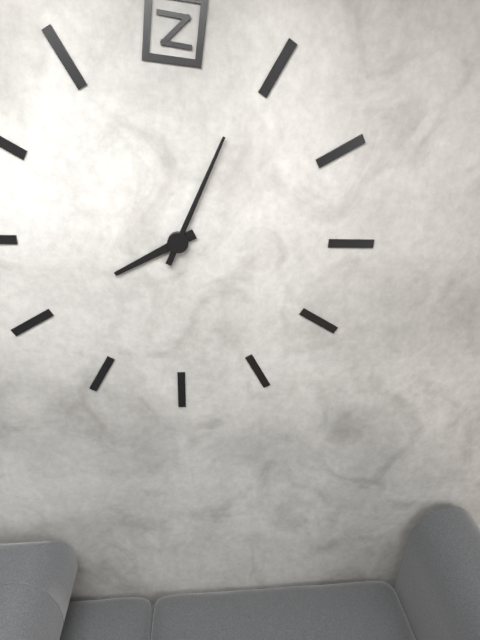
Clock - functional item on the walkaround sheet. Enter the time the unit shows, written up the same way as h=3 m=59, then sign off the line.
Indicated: h=8 m=4
